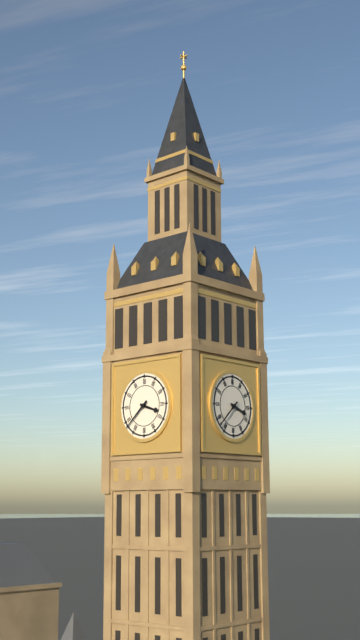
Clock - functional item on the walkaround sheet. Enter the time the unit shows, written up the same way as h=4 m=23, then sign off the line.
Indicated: h=3 m=38
